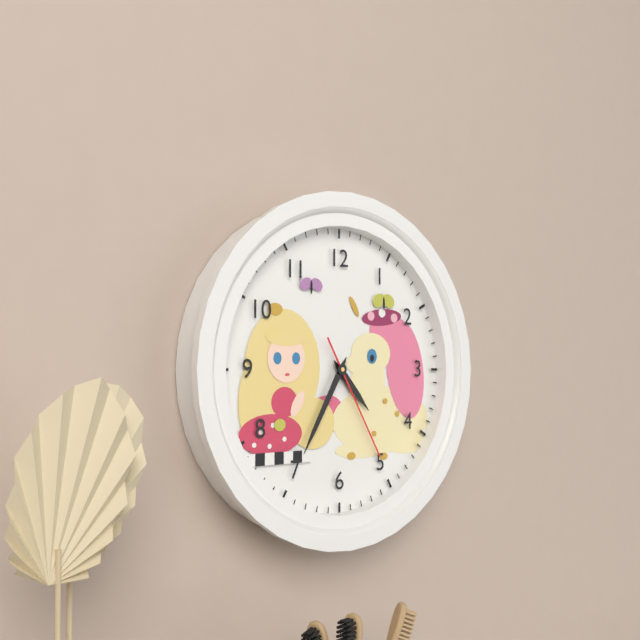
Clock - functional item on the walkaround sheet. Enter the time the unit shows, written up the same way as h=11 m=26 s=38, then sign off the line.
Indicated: h=4 m=35 s=25
